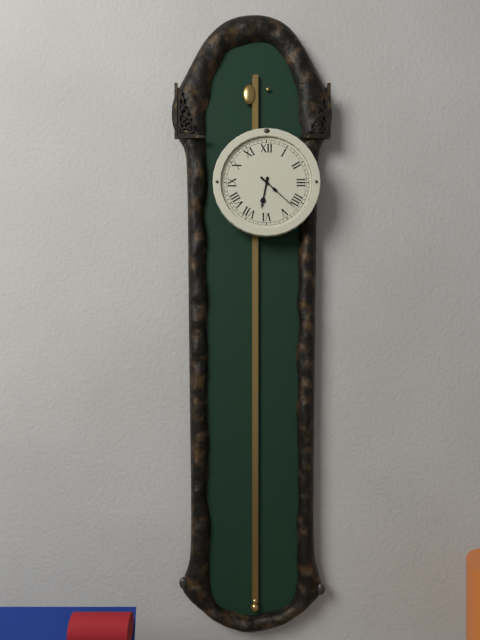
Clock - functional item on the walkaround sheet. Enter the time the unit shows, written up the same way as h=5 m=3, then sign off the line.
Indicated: h=6 m=22
